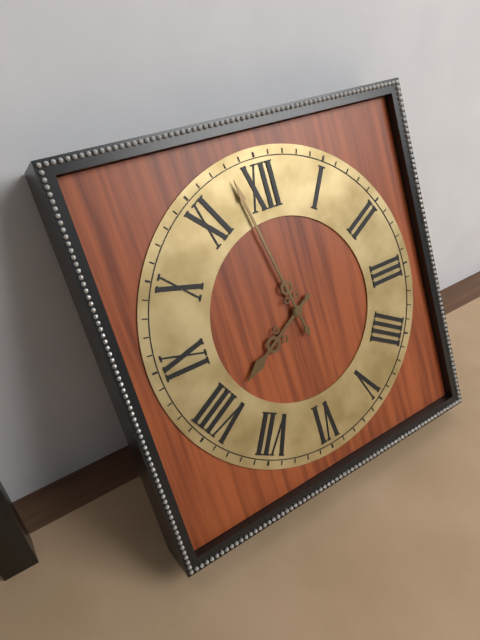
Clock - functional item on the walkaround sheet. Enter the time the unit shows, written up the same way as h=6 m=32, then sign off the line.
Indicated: h=7 m=58
